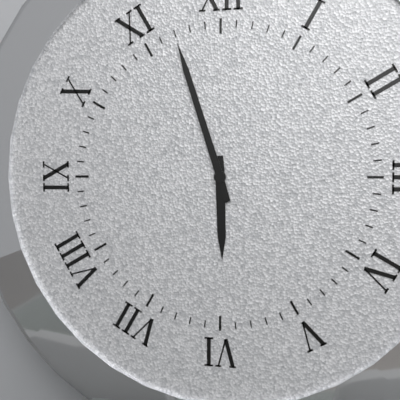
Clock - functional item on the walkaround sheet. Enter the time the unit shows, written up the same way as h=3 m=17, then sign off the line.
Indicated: h=5 m=57
